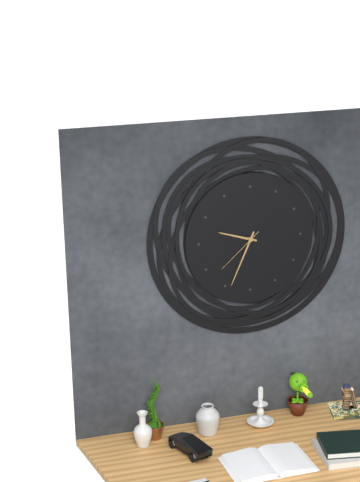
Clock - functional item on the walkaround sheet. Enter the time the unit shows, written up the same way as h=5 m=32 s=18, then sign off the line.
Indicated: h=9 m=34 s=38
